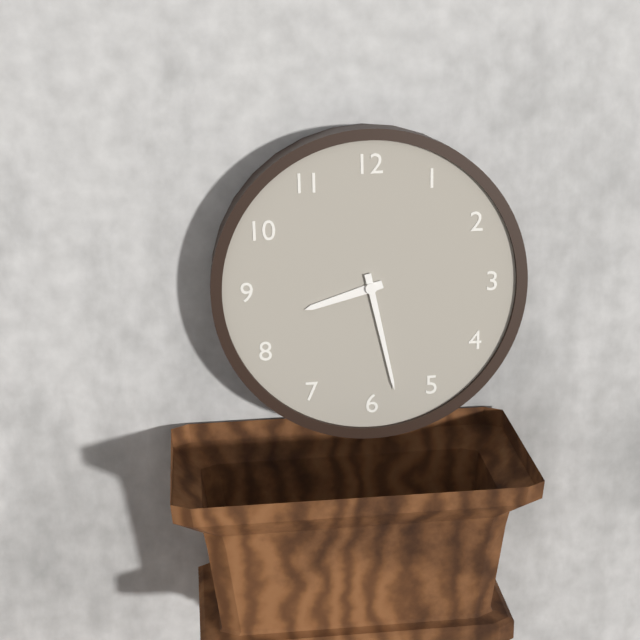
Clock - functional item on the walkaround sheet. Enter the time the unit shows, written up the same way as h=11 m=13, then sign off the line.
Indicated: h=8 m=28
